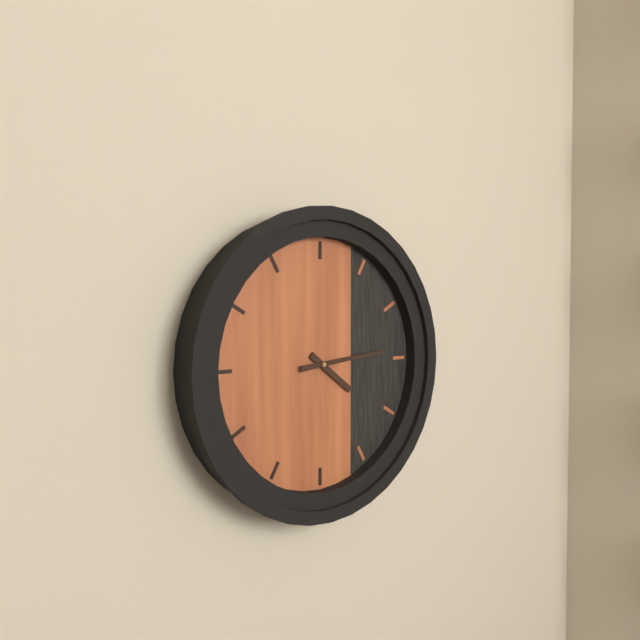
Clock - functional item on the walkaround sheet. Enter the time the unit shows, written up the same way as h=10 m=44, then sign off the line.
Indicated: h=4 m=14
